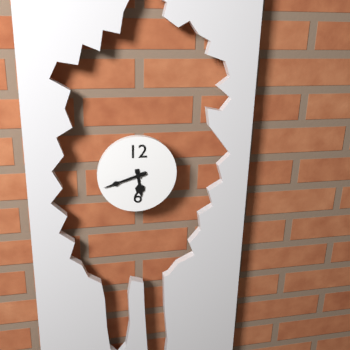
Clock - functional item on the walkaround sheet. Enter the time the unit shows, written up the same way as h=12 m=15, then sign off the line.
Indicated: h=5 m=42
